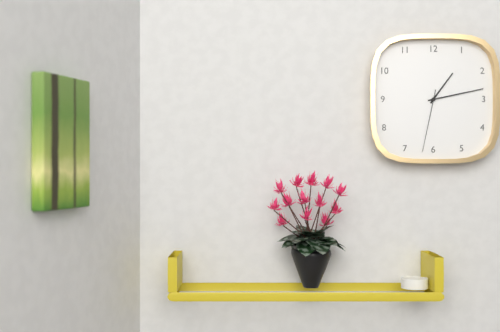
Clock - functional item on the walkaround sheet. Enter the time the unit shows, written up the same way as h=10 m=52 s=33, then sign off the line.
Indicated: h=1 m=13 s=32
